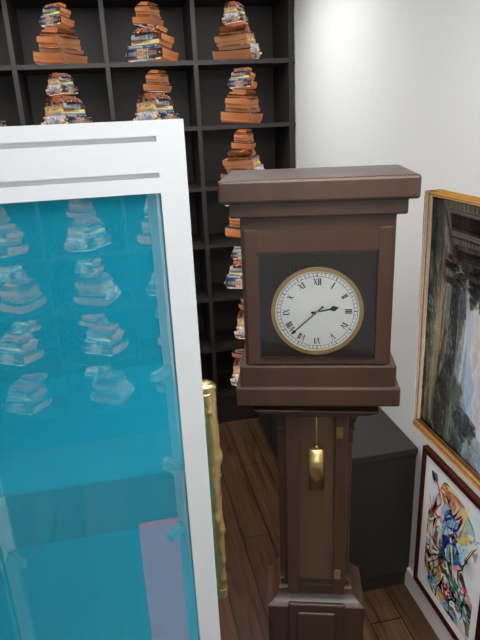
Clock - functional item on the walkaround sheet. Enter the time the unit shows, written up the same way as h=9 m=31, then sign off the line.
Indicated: h=2 m=38
